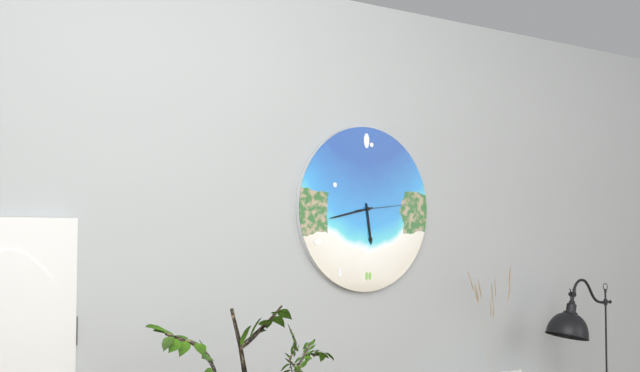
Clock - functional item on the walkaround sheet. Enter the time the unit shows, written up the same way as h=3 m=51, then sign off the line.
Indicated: h=5 m=43
